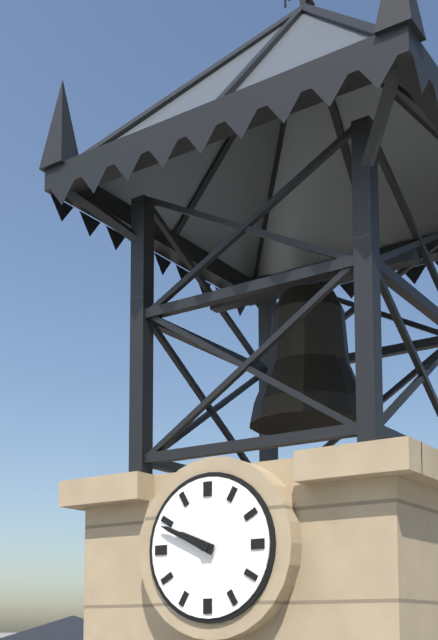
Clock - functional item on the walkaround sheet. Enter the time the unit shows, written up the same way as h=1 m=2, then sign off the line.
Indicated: h=9 m=49
